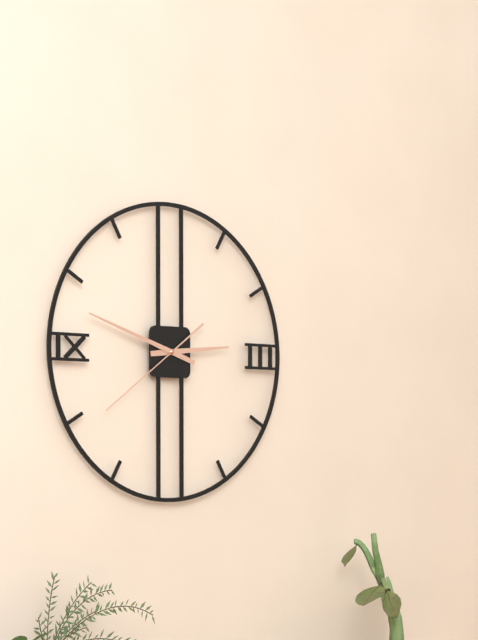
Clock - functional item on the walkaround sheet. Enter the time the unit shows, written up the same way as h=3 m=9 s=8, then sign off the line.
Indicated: h=2 m=48 s=39
